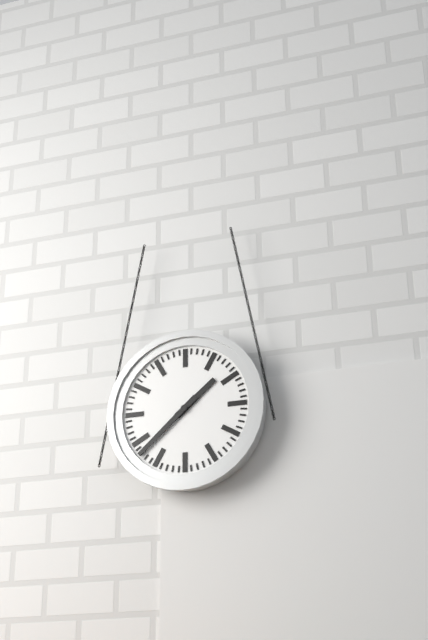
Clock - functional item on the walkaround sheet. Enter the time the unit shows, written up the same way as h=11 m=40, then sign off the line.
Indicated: h=1 m=38
